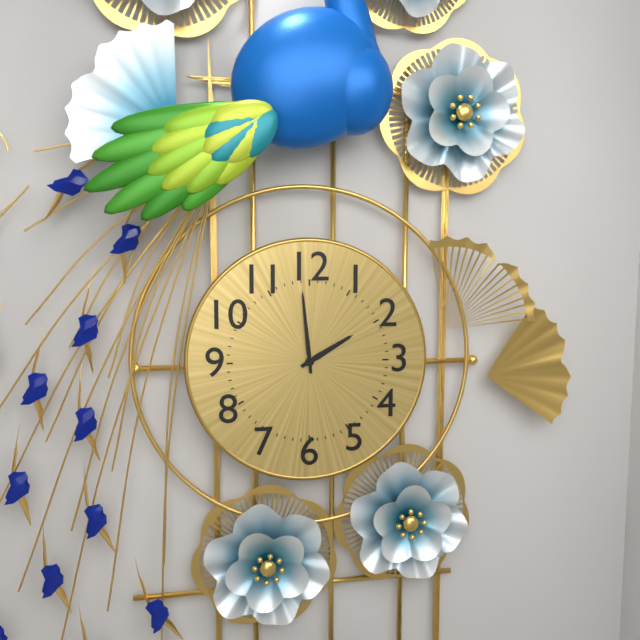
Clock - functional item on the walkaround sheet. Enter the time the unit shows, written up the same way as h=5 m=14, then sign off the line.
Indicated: h=1 m=59
